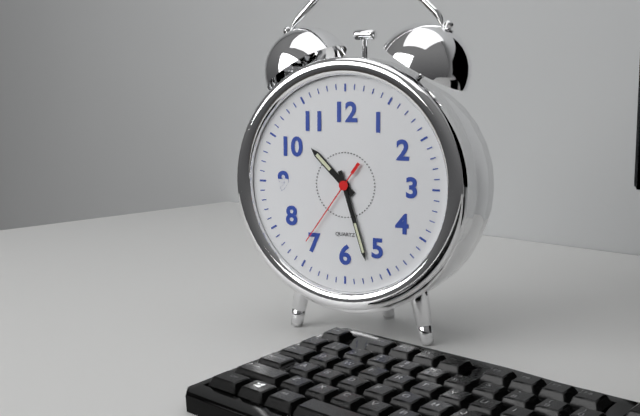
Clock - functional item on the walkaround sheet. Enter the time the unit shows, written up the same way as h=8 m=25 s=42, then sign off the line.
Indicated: h=10 m=27 s=36
